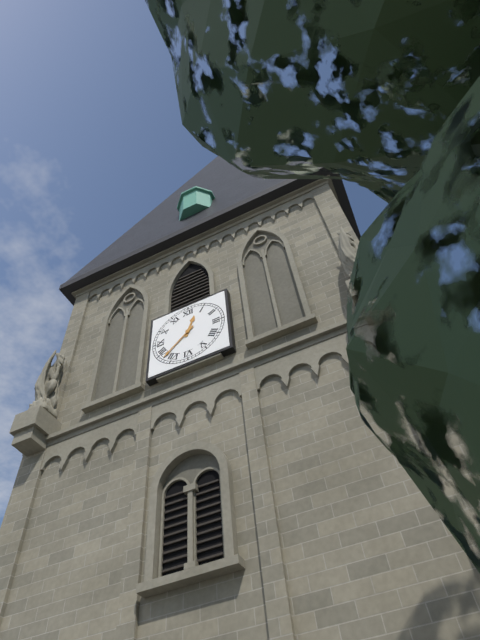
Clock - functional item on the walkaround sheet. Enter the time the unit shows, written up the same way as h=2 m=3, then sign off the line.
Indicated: h=12 m=38
